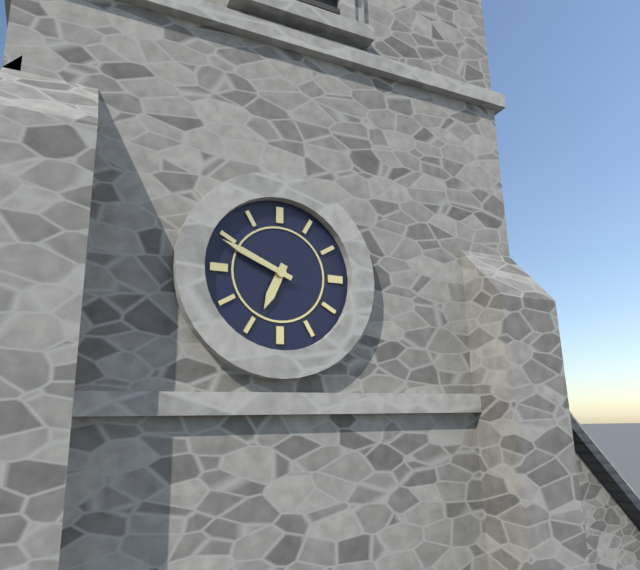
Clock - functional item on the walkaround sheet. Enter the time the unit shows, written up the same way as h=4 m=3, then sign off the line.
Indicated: h=6 m=49
